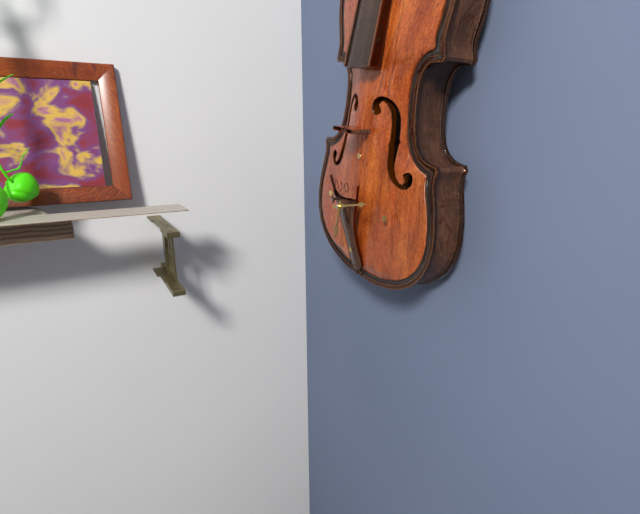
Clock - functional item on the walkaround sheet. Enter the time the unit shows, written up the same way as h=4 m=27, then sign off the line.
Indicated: h=6 m=12
